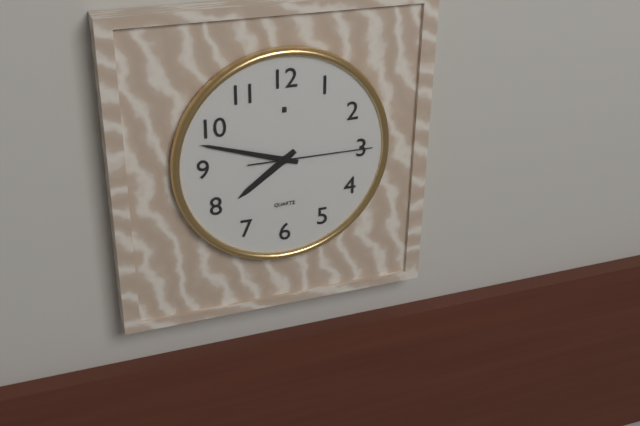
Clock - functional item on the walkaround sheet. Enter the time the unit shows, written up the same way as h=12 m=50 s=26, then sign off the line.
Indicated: h=7 m=48 s=15
